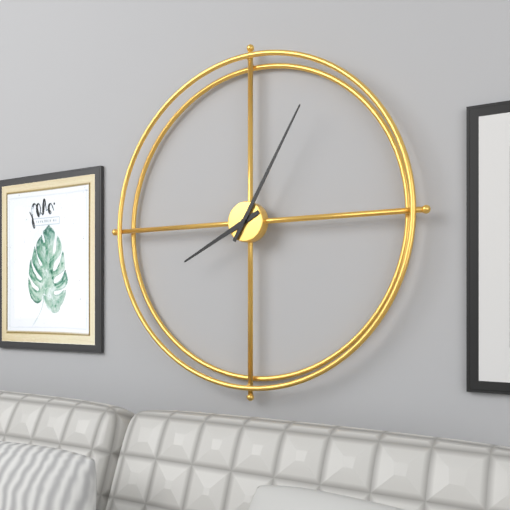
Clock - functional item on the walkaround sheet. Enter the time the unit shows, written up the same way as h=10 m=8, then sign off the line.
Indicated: h=8 m=5
